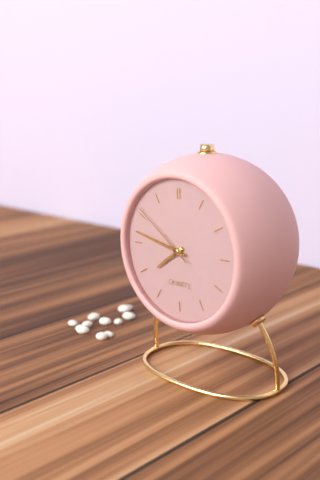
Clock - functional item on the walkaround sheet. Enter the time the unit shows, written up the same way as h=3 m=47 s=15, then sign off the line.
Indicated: h=7 m=47 s=51
